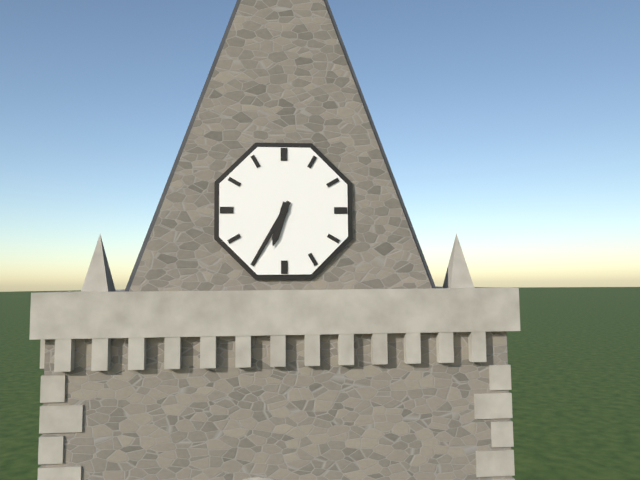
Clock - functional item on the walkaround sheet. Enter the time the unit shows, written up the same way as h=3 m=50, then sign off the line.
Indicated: h=6 m=35
